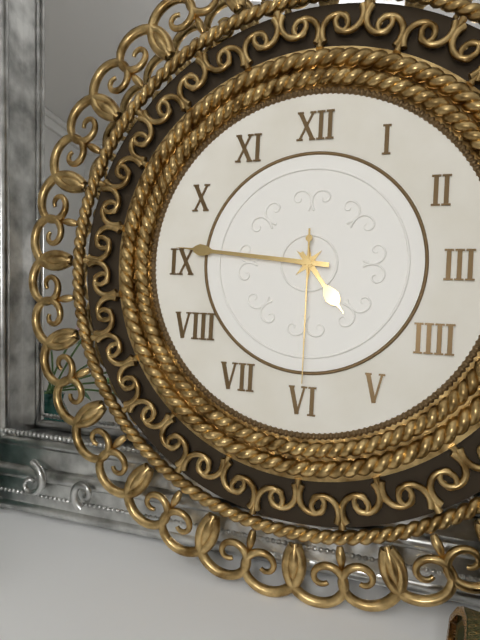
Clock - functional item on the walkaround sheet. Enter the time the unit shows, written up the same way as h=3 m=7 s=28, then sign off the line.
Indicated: h=4 m=46 s=30
